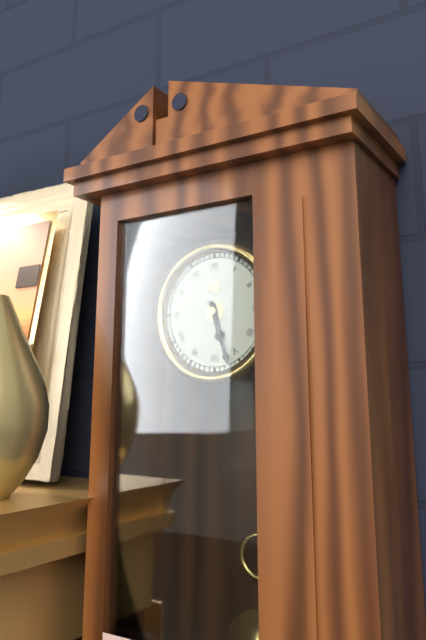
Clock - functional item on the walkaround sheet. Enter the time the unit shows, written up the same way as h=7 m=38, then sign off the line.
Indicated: h=5 m=27
